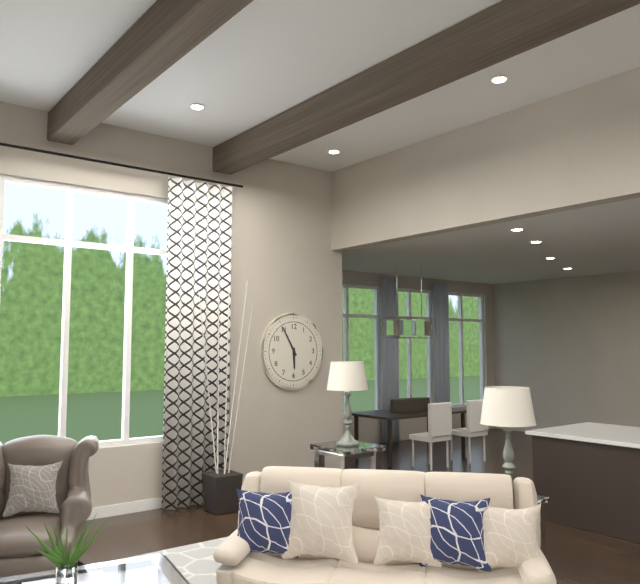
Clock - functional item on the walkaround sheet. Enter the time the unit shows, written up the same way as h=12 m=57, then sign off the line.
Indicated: h=5 m=55
